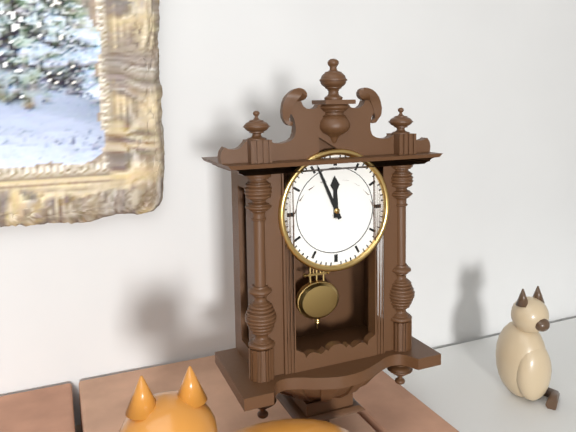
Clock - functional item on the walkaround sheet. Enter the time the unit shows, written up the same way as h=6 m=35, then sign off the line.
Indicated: h=11 m=56
